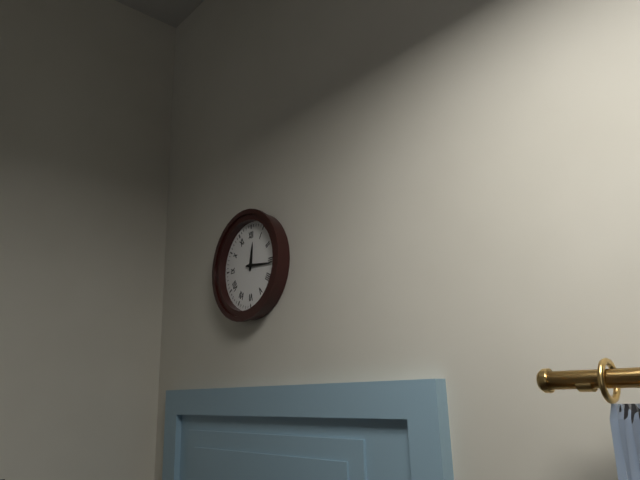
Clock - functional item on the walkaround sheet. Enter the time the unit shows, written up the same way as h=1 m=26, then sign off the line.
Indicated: h=12 m=16
